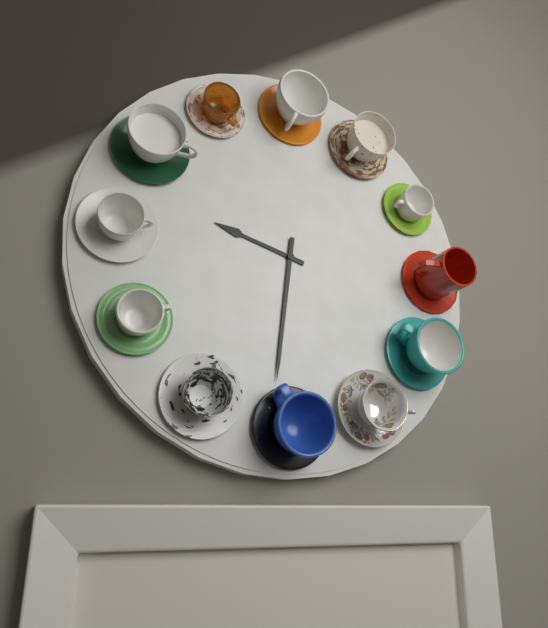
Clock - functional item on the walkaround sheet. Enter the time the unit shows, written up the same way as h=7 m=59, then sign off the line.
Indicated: h=9 m=31
